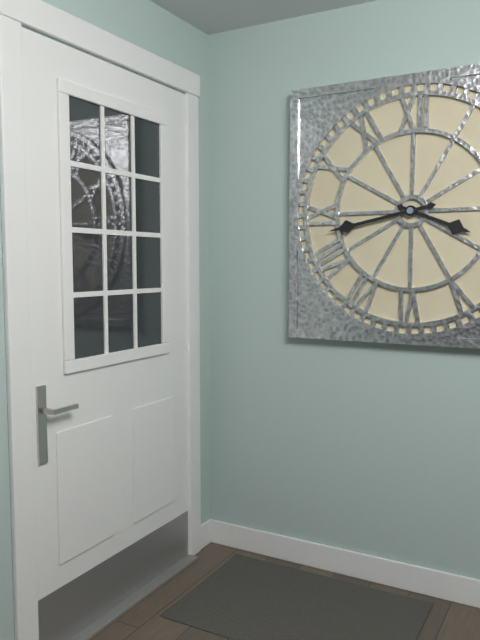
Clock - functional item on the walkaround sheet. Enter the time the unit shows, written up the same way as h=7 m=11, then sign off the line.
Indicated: h=3 m=43
